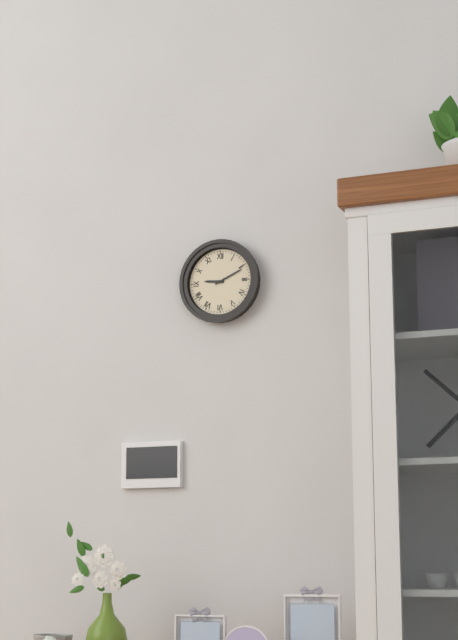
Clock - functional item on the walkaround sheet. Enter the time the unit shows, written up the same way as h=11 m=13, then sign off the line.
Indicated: h=9 m=11
